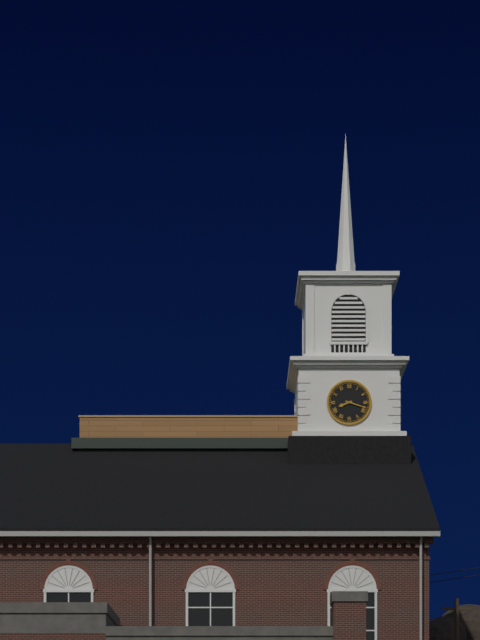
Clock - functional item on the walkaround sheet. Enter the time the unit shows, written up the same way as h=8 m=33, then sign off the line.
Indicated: h=8 m=18
